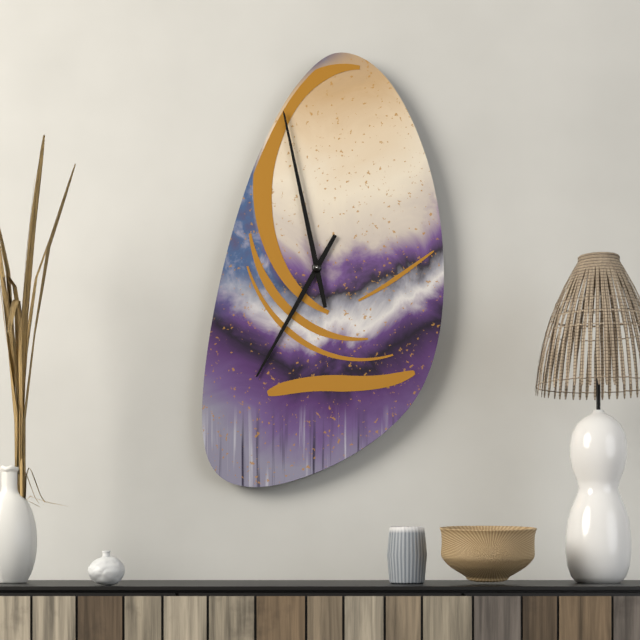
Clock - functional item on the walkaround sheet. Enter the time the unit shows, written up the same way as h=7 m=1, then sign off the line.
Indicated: h=6 m=58
